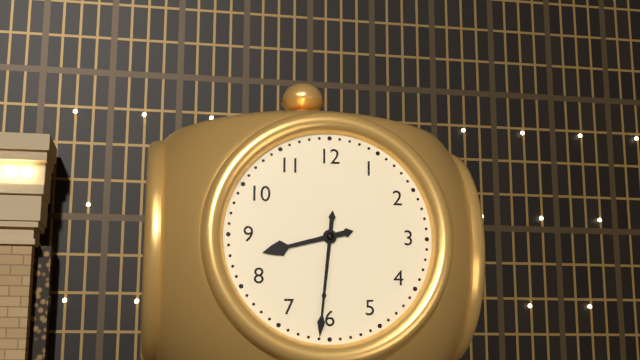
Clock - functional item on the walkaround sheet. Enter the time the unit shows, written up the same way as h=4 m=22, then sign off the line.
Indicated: h=8 m=31
